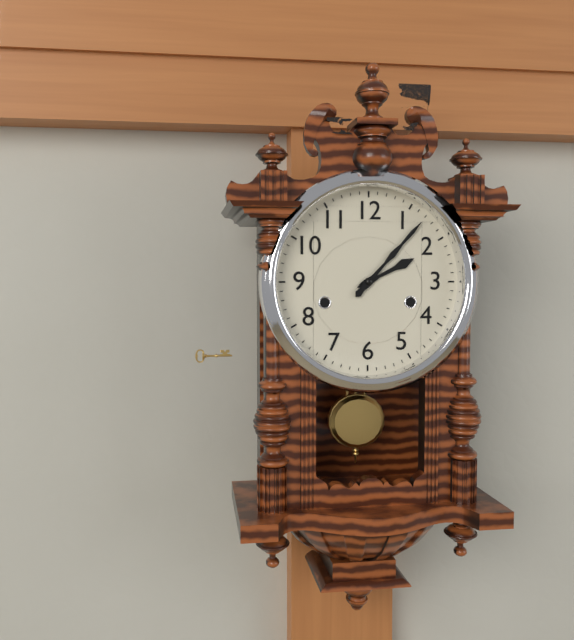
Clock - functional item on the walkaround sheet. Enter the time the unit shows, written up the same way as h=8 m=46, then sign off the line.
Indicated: h=2 m=7
